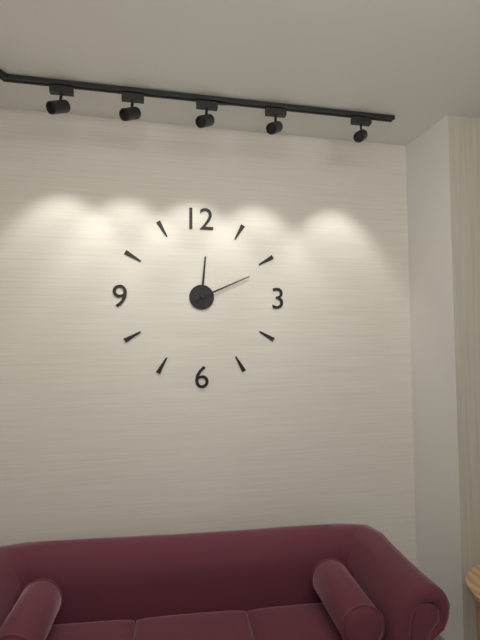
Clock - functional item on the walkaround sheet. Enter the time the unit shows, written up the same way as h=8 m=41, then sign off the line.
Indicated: h=12 m=11
